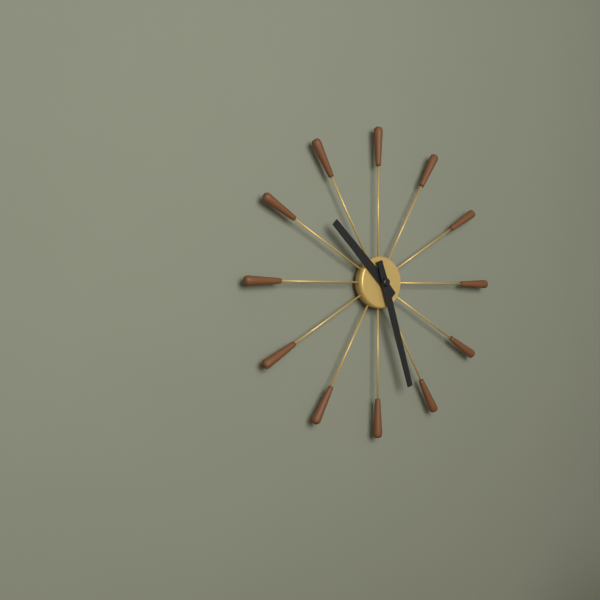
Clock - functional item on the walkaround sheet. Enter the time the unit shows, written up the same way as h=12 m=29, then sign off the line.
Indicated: h=10 m=27
